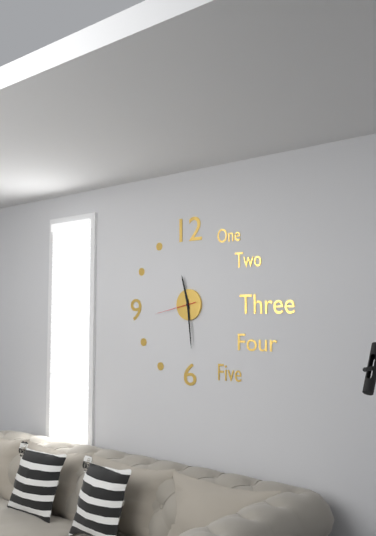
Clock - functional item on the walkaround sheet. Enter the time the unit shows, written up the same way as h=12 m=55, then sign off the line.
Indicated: h=11 m=29
